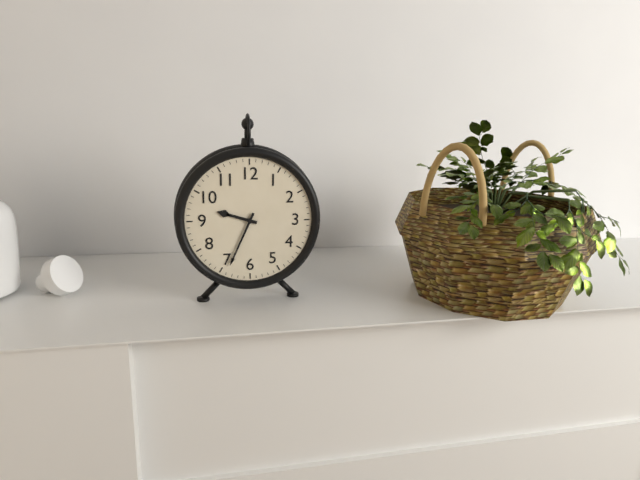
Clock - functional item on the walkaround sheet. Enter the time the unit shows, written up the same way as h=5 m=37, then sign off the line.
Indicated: h=9 m=34
